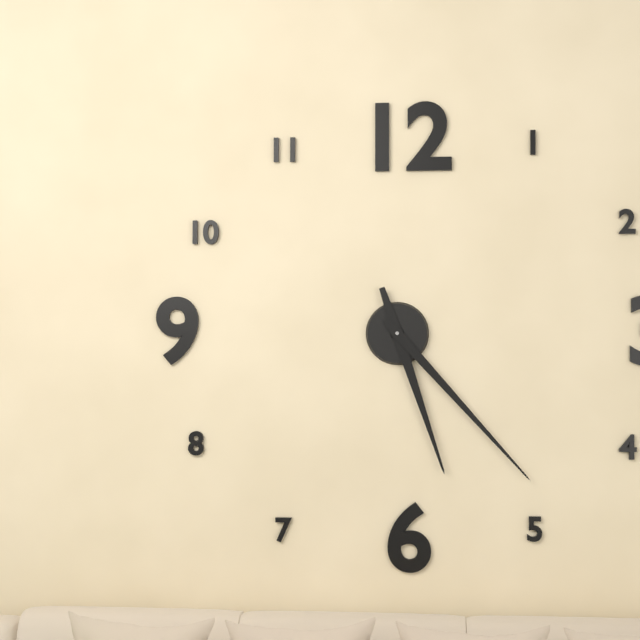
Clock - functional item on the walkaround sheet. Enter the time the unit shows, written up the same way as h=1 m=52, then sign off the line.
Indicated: h=5 m=23
